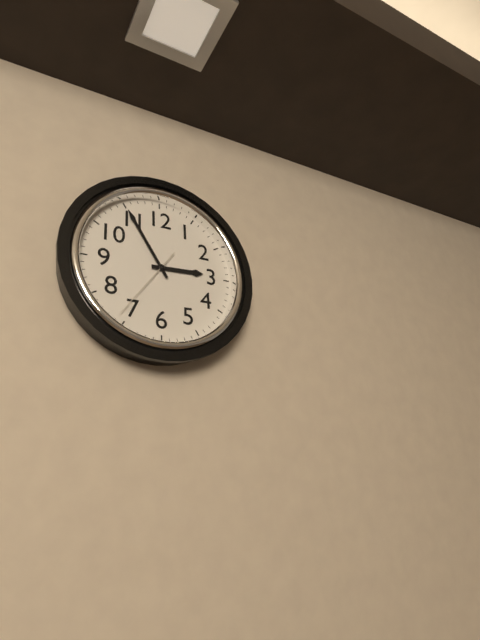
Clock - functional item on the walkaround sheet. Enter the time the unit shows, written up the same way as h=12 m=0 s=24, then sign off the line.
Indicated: h=2 m=55 s=36
